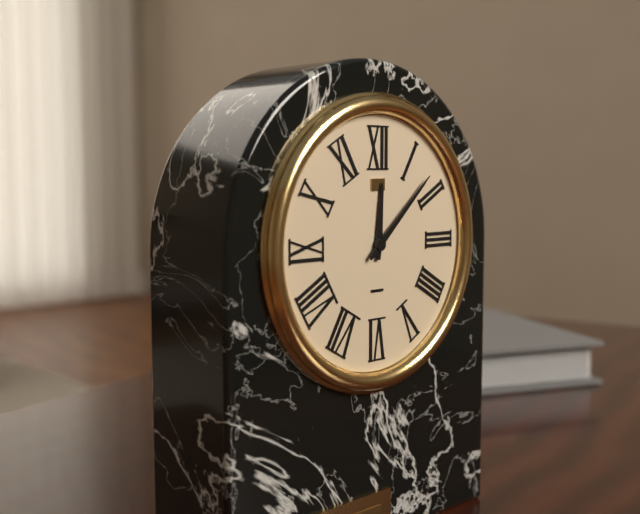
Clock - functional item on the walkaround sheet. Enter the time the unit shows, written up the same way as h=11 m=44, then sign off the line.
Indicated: h=12 m=8
